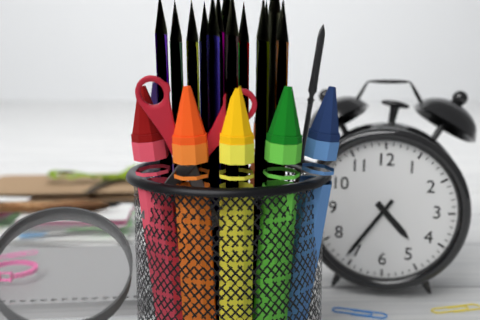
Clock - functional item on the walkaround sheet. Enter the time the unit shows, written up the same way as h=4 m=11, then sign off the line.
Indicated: h=4 m=36
